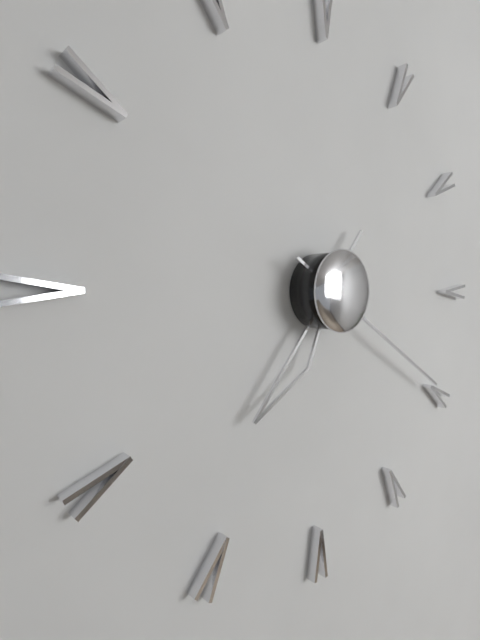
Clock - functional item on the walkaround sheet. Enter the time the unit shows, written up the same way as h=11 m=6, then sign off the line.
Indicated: h=7 m=20
